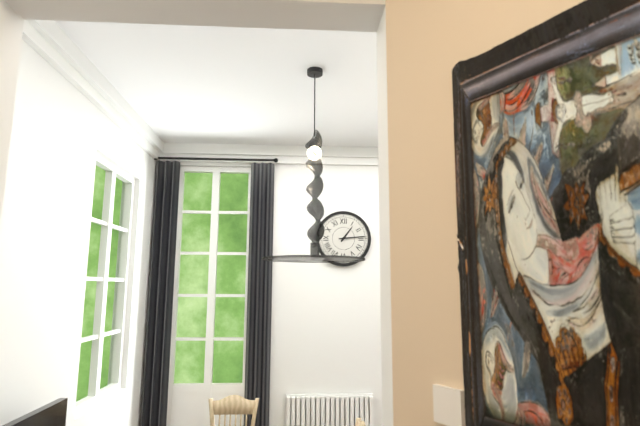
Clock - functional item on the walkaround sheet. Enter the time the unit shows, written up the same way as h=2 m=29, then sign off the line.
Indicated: h=1 m=14
